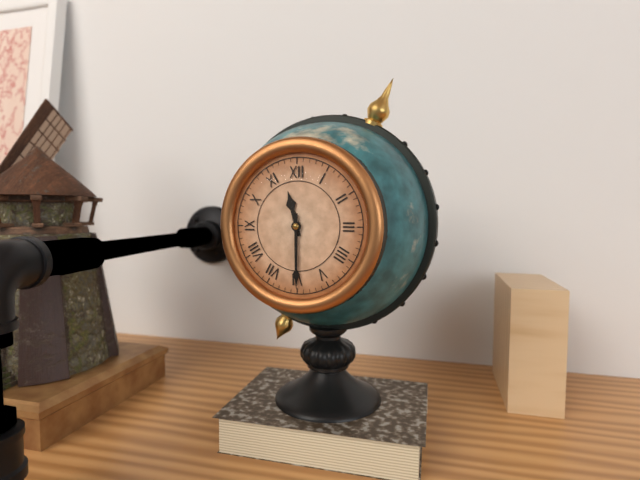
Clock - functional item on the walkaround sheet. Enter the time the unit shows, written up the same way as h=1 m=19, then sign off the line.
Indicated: h=11 m=30
